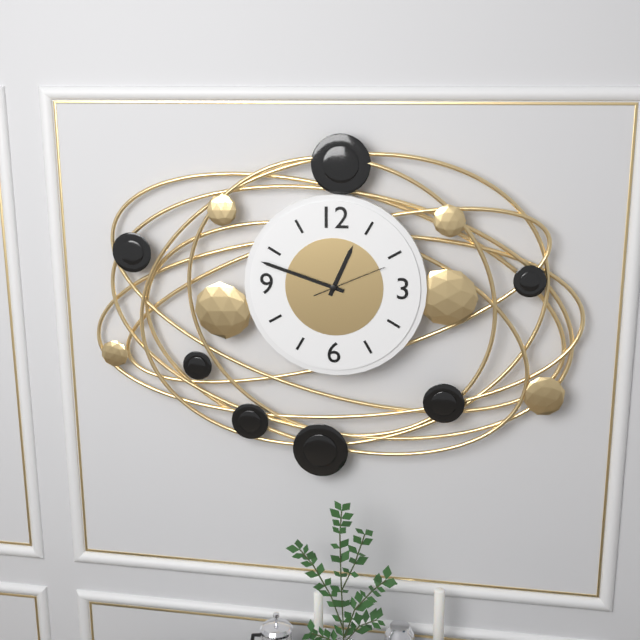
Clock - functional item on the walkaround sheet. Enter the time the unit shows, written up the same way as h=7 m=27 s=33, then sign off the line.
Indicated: h=12 m=48 s=11
